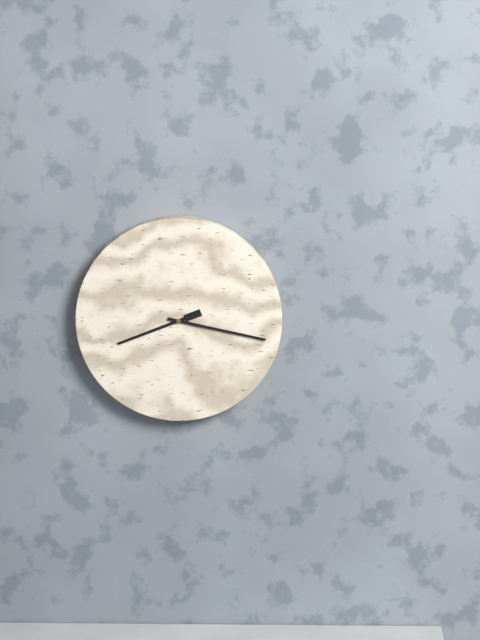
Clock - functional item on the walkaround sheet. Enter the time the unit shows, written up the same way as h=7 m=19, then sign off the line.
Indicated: h=8 m=17
